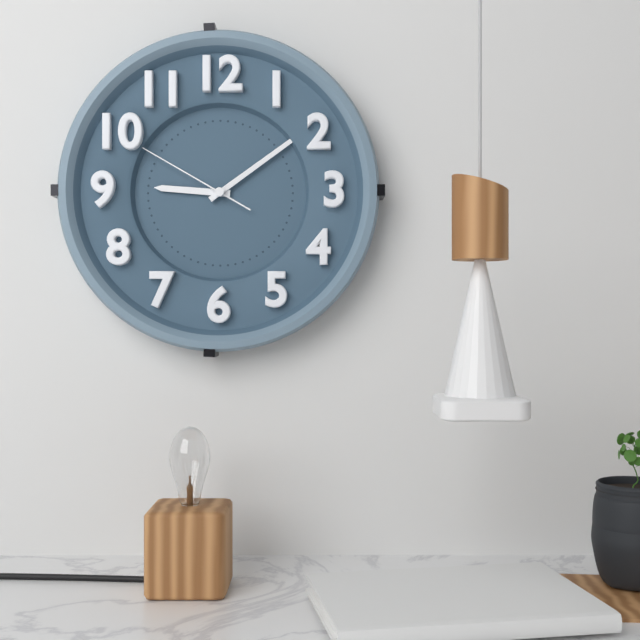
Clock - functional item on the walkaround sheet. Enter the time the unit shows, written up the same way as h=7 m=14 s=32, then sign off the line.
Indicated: h=9 m=9 s=50
